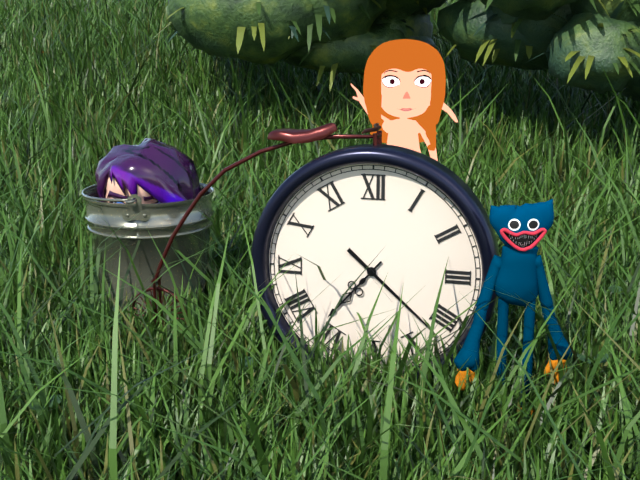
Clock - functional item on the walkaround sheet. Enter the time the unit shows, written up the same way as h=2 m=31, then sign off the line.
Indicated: h=7 m=22
